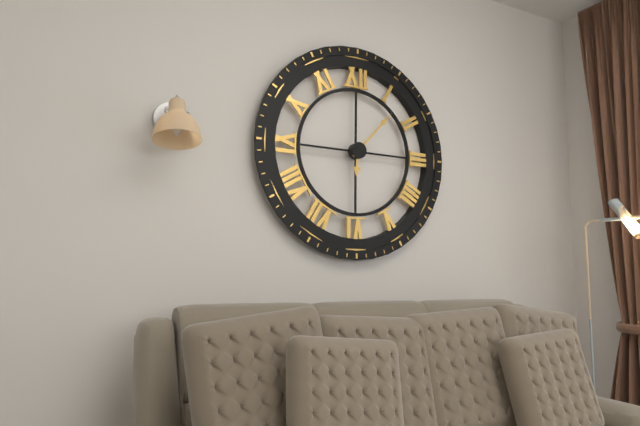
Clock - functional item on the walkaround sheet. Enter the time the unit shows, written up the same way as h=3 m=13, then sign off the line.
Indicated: h=6 m=7
